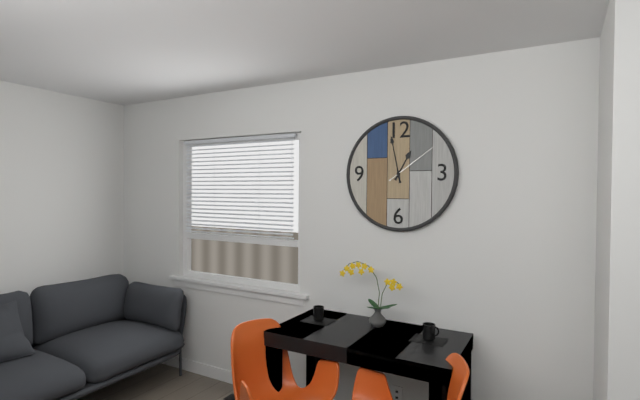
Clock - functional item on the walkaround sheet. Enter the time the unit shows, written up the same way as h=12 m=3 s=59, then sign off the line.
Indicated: h=12 m=58 s=9
